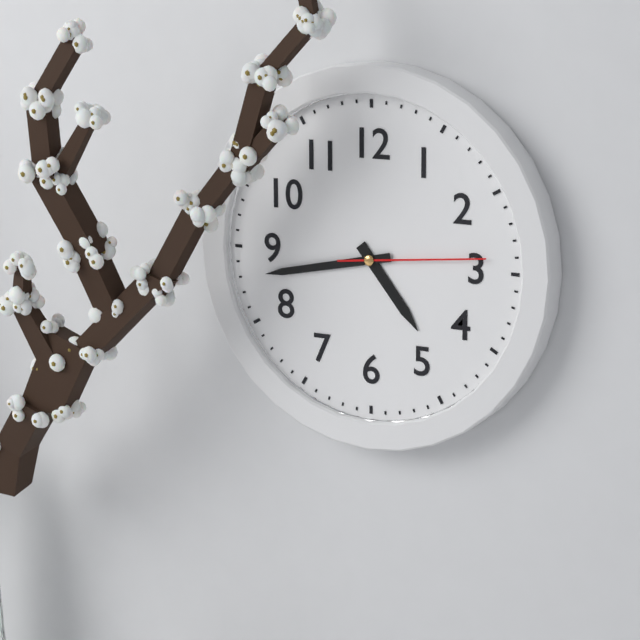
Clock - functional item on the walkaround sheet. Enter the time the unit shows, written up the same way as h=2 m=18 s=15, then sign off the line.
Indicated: h=4 m=43 s=14
